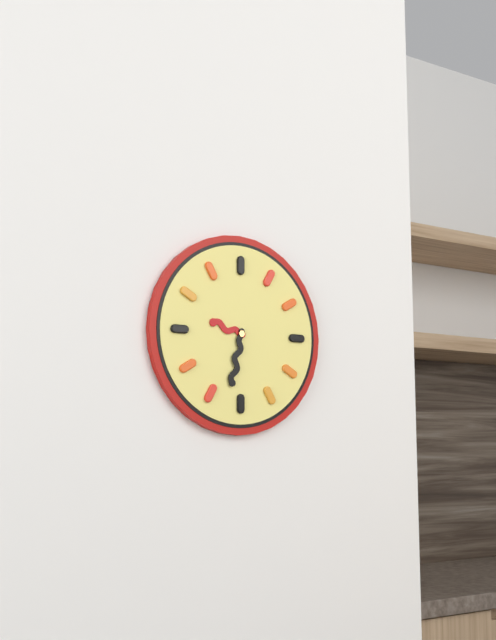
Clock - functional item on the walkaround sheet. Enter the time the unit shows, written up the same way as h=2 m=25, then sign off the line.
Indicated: h=9 m=32
